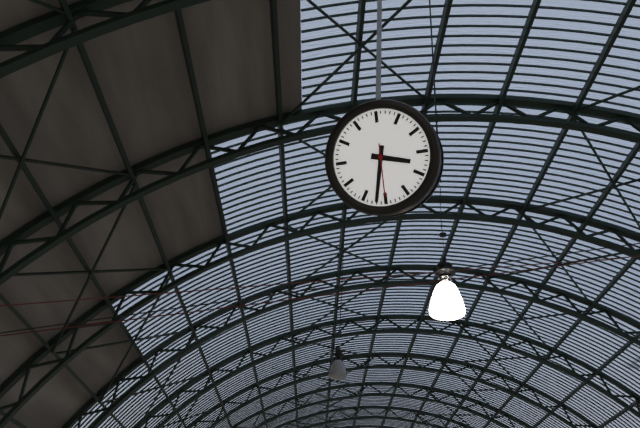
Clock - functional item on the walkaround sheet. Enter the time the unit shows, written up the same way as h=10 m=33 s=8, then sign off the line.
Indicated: h=3 m=32 s=30
